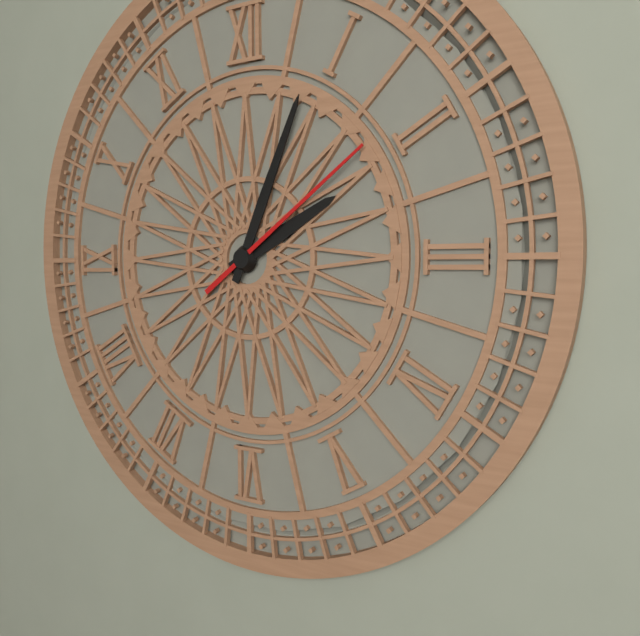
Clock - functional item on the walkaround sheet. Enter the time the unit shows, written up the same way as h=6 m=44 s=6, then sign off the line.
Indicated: h=2 m=4 s=9
